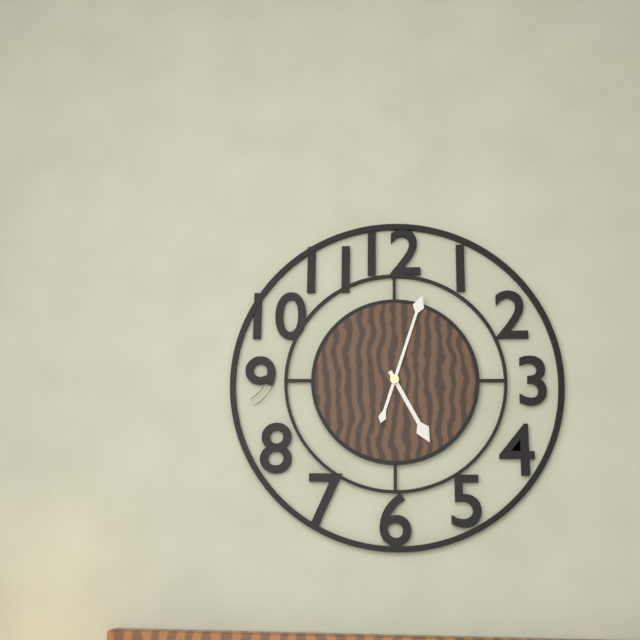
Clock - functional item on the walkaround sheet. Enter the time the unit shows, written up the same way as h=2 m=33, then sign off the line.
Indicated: h=5 m=3
